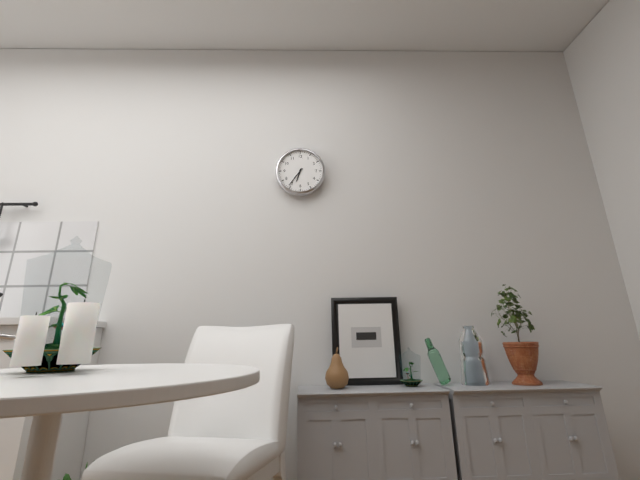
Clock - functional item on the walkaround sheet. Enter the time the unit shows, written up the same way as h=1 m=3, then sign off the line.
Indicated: h=6 m=36
